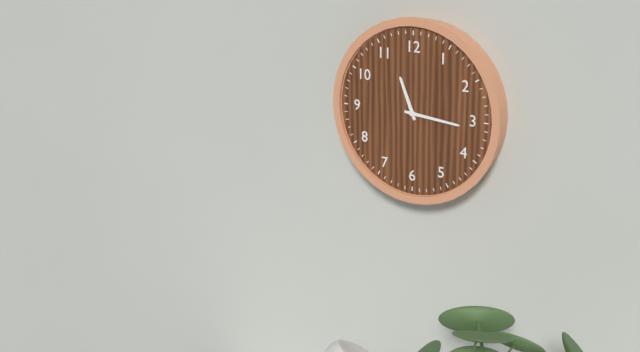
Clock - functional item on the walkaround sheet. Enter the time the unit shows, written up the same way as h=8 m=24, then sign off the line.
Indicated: h=11 m=16
